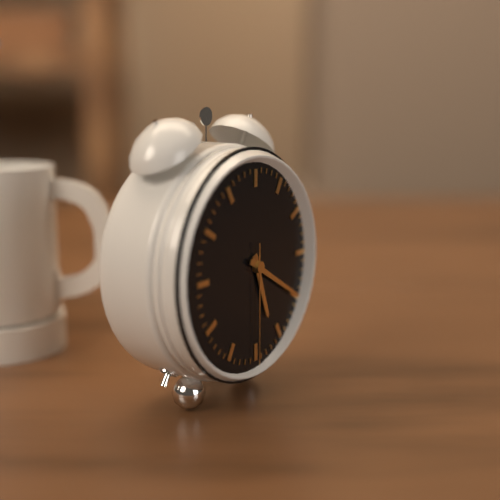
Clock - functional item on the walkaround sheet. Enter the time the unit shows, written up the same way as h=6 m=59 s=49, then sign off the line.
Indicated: h=5 m=20 s=30
